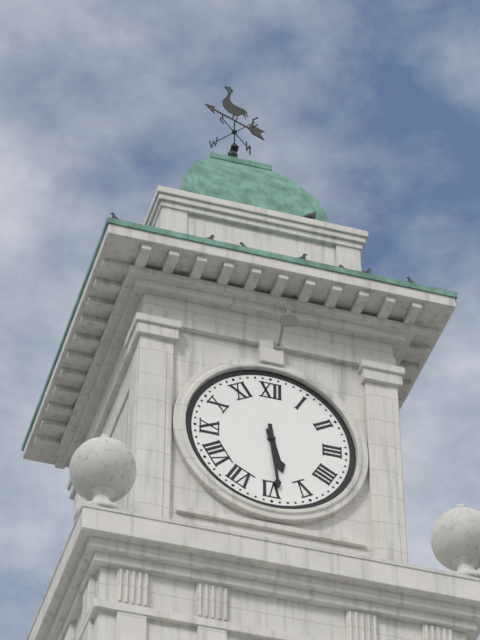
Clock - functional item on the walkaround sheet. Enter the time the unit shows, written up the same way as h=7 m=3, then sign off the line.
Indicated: h=5 m=29
